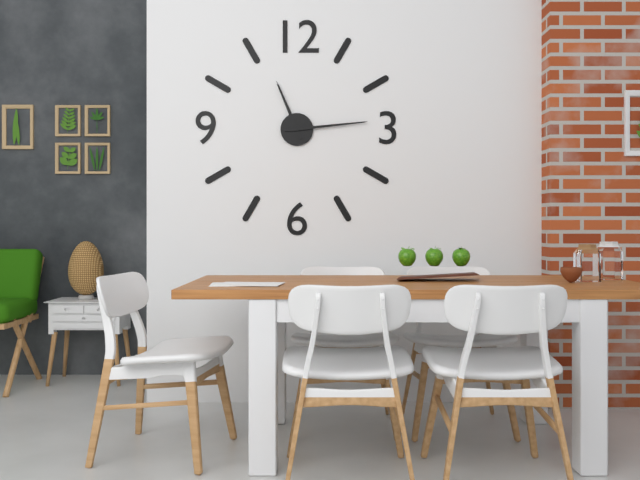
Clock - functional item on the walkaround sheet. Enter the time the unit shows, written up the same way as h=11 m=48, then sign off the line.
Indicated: h=11 m=14
